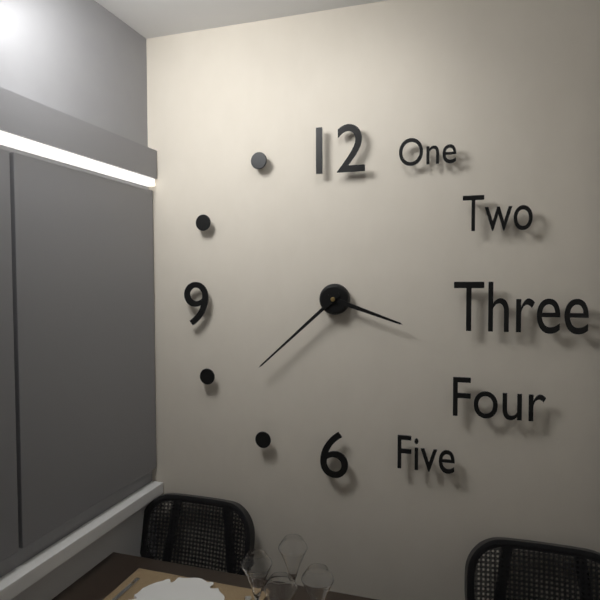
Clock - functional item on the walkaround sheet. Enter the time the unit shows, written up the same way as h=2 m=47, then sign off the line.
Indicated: h=3 m=38
